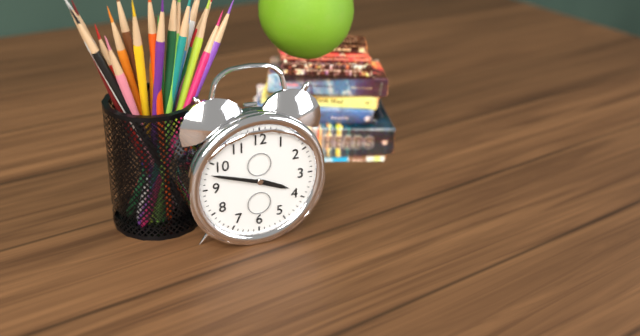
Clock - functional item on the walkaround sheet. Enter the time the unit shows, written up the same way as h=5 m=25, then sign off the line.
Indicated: h=3 m=48
